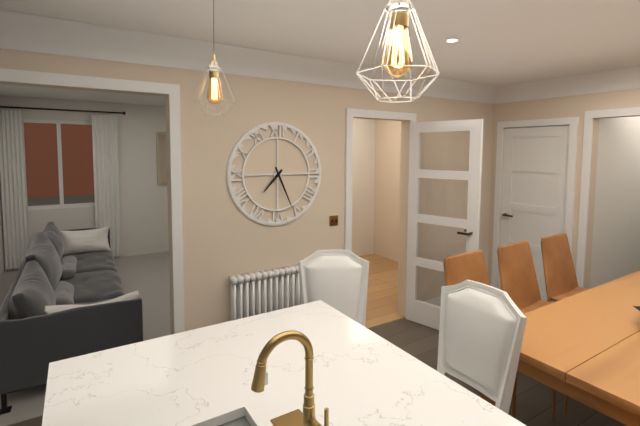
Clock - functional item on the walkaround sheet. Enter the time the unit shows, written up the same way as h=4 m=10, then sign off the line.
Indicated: h=7 m=26
